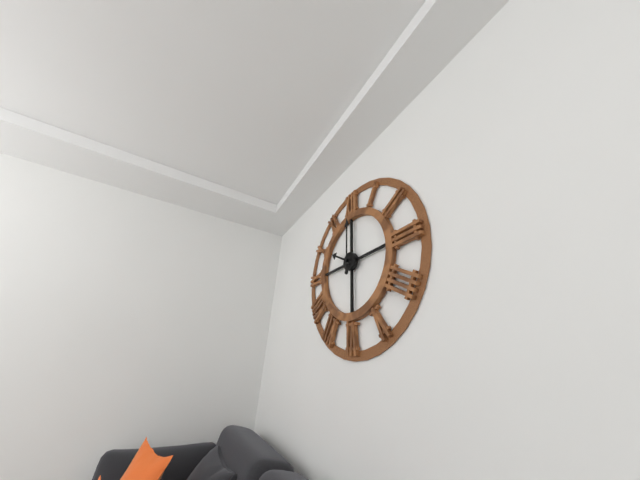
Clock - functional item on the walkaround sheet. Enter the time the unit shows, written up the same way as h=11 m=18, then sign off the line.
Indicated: h=10 m=0
